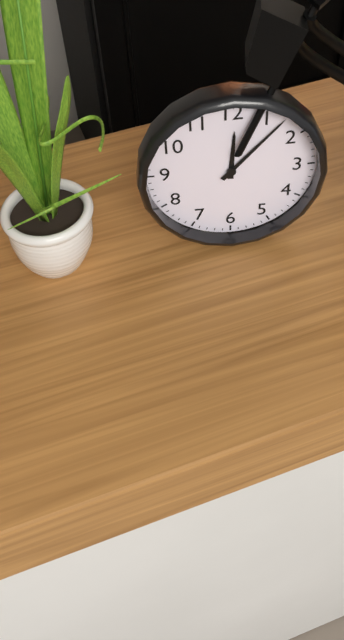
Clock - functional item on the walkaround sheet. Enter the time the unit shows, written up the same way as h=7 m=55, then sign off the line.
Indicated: h=12 m=7
